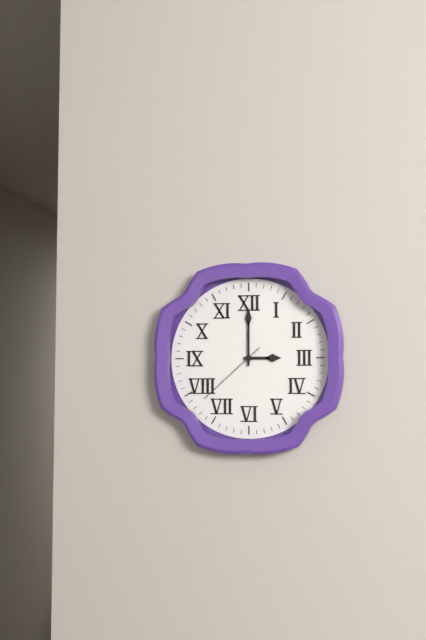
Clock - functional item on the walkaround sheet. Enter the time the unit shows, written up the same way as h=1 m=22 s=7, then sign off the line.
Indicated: h=3 m=0 s=38
